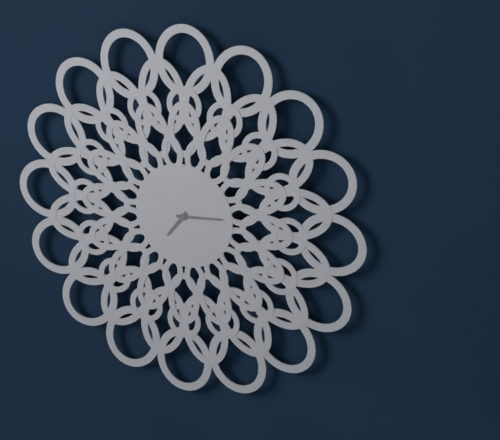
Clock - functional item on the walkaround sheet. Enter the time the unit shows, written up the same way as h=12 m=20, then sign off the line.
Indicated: h=7 m=14
